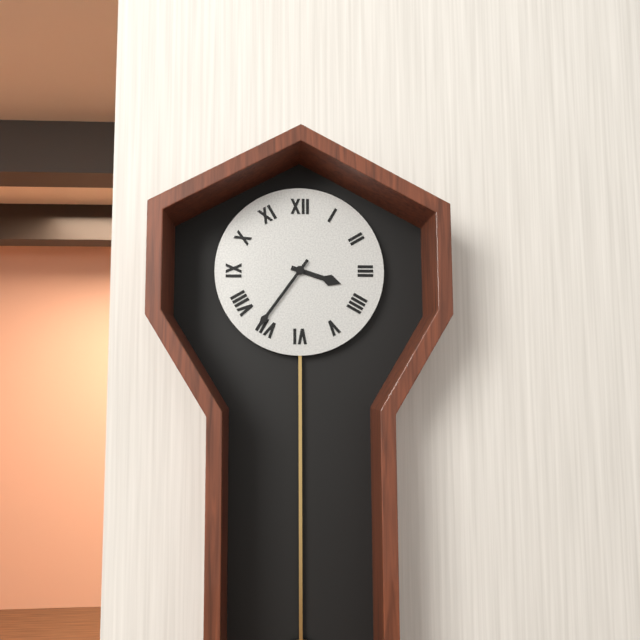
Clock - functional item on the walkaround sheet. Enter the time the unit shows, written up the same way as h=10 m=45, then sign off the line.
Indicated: h=3 m=36
